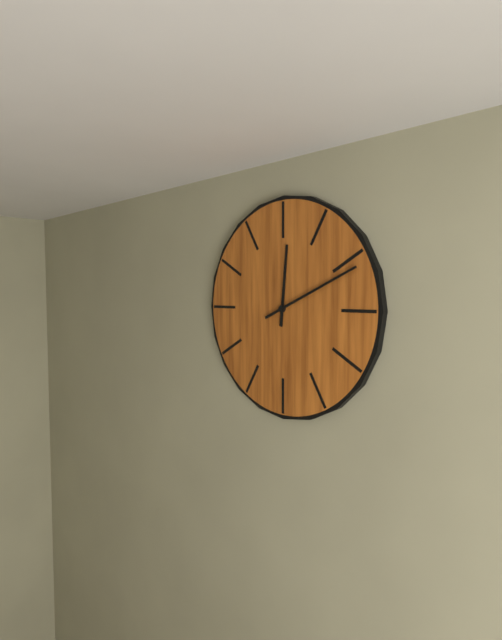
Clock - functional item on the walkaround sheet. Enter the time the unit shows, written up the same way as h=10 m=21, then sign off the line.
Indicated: h=12 m=11
